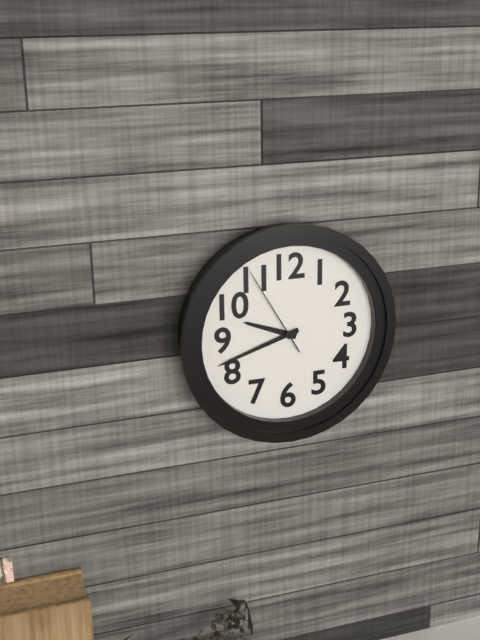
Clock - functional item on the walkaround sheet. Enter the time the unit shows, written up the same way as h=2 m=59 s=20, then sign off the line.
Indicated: h=9 m=42 s=55
